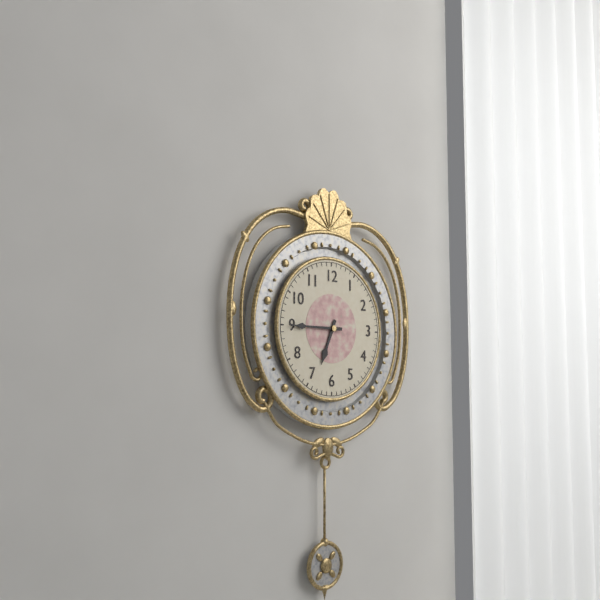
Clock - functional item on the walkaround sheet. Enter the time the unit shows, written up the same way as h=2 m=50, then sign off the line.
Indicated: h=6 m=45
